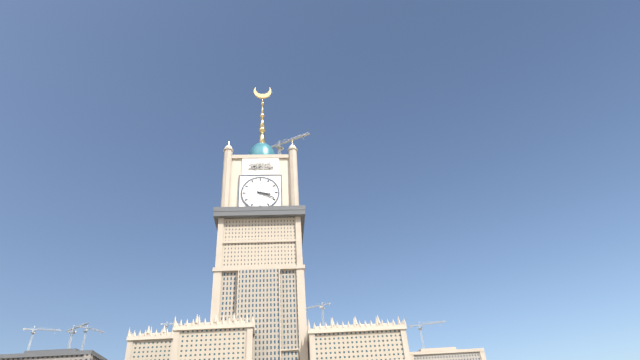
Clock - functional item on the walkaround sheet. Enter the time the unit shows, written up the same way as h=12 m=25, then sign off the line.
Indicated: h=3 m=19
